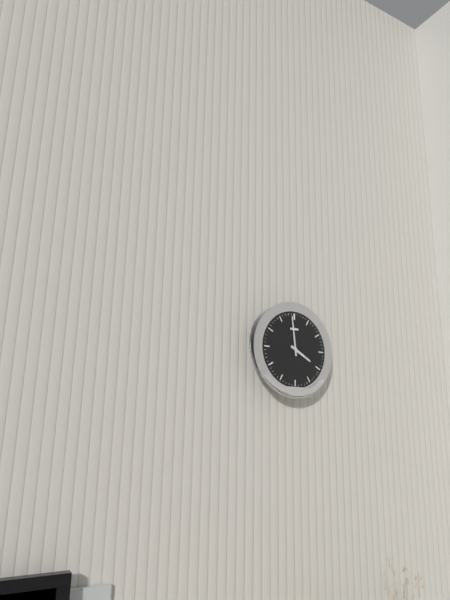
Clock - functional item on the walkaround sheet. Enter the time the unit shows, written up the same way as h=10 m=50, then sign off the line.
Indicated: h=3 m=59
